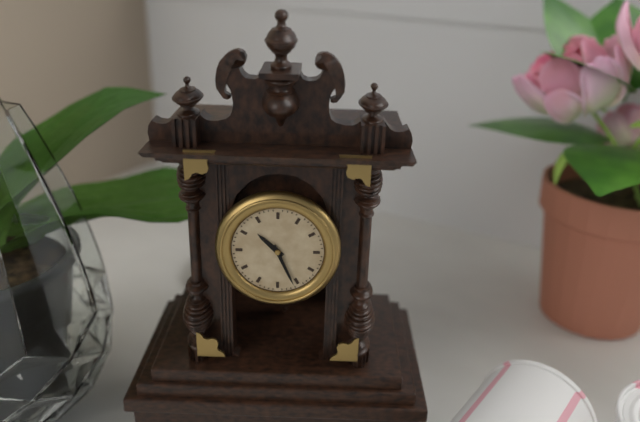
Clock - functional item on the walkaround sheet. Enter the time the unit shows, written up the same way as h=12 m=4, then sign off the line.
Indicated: h=10 m=26
